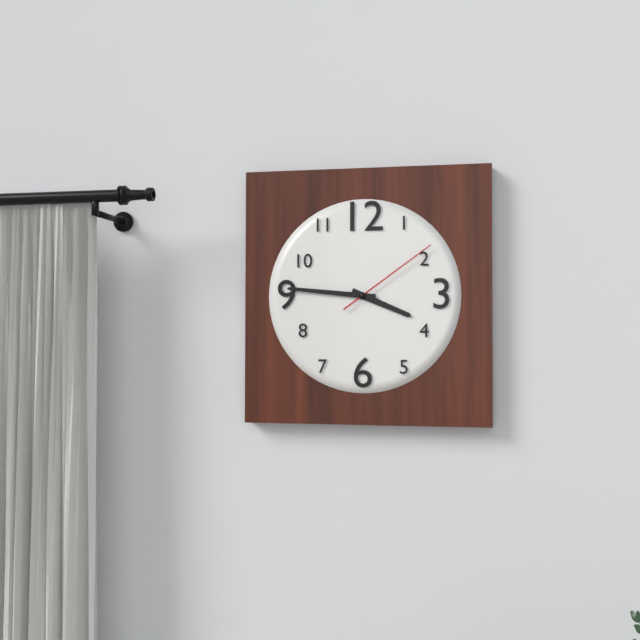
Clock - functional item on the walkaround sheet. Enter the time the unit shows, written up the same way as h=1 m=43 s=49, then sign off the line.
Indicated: h=3 m=46 s=9
